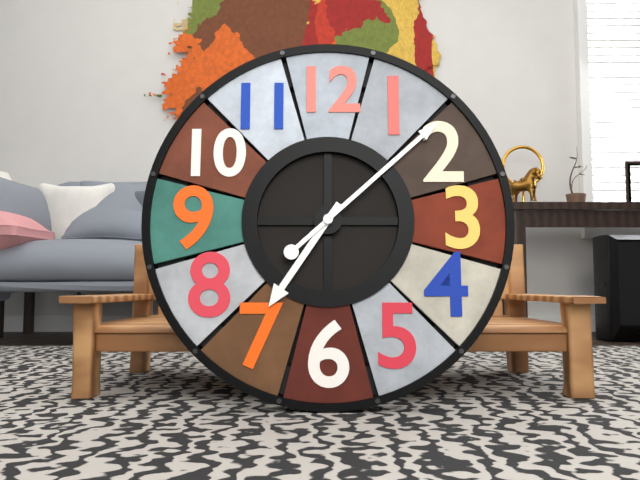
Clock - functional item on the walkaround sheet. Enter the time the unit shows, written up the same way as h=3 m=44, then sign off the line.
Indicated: h=7 m=8
